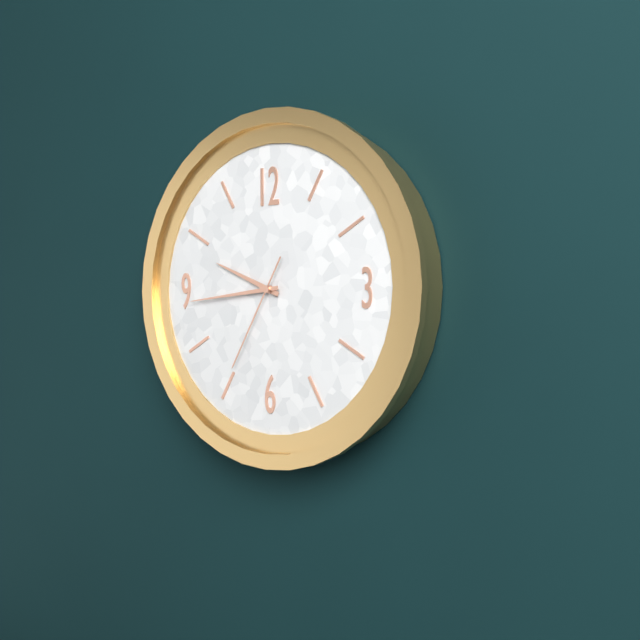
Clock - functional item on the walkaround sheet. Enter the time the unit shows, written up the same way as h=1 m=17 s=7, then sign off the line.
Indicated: h=9 m=44 s=35
